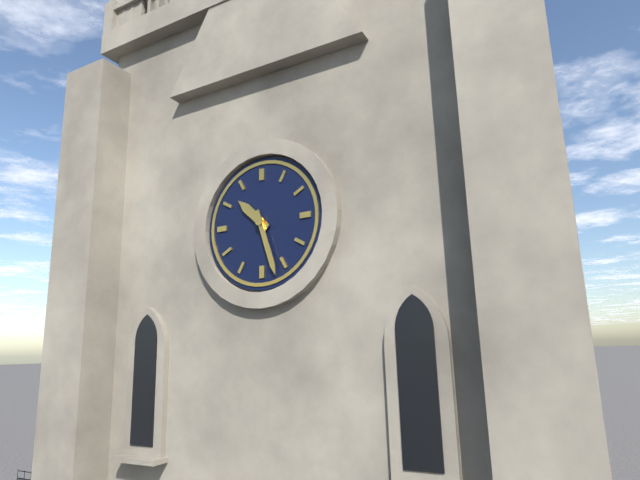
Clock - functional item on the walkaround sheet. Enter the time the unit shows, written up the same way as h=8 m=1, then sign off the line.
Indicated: h=10 m=27
